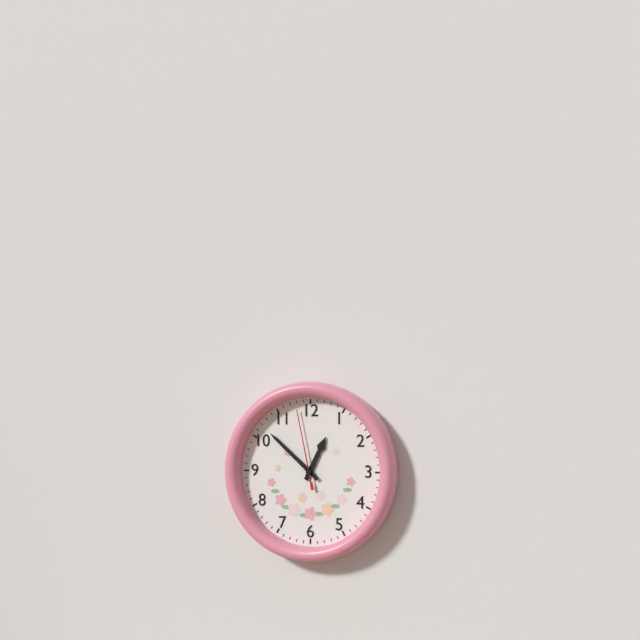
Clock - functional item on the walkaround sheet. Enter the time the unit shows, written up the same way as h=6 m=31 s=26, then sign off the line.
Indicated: h=12 m=52 s=58
